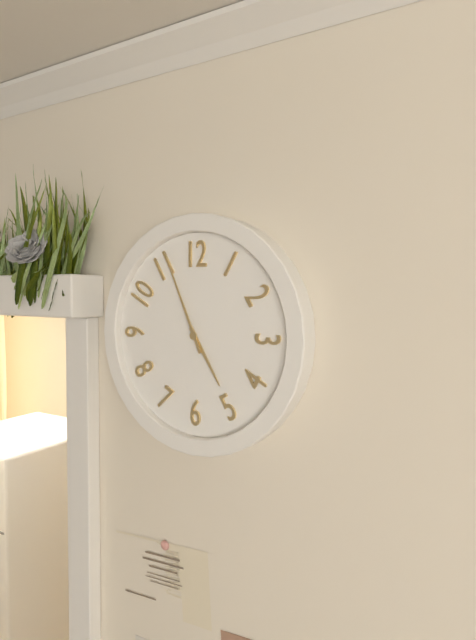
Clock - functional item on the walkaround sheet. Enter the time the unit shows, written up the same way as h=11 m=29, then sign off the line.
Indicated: h=4 m=56
